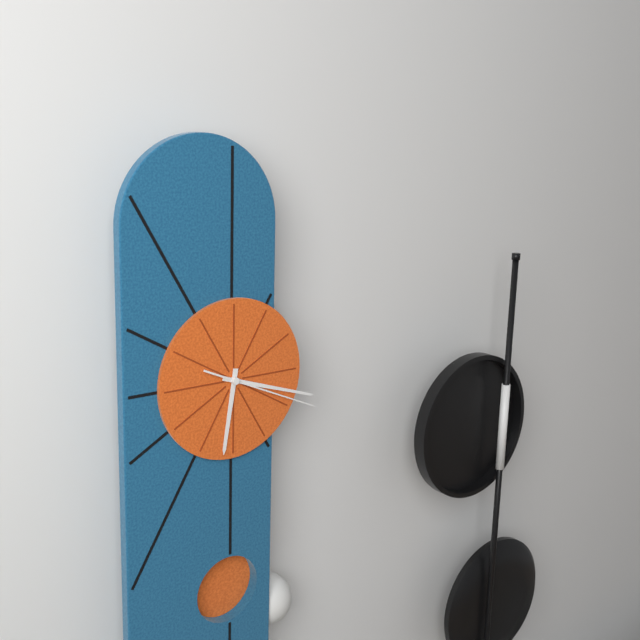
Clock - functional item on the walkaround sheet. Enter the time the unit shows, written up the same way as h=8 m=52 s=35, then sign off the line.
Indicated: h=6 m=18 s=19
